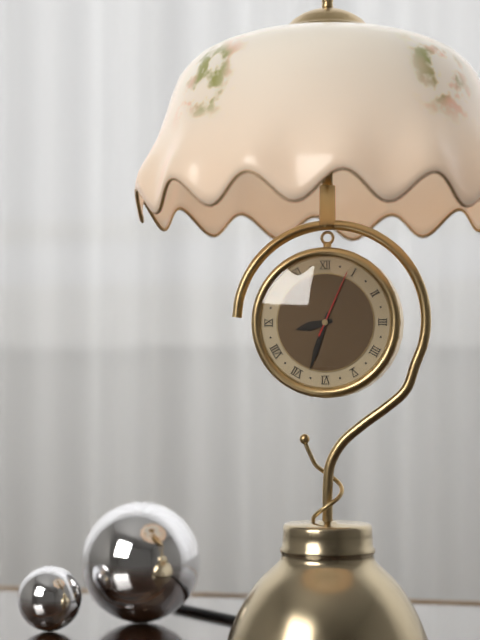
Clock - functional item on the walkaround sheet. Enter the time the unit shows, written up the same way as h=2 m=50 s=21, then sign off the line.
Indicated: h=8 m=33 s=4
